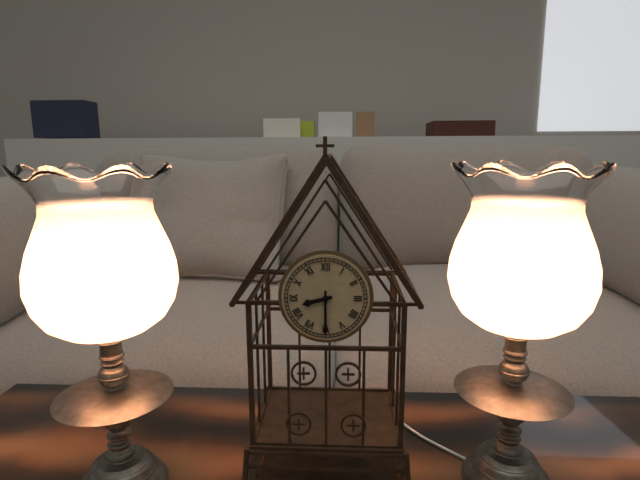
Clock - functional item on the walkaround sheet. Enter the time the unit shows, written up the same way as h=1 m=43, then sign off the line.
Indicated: h=8 m=30
